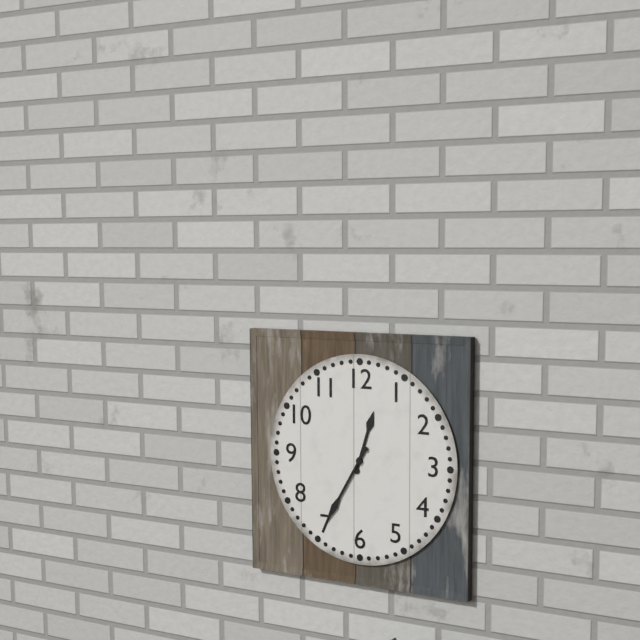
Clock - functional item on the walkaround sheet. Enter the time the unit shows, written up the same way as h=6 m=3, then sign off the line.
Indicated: h=12 m=35
